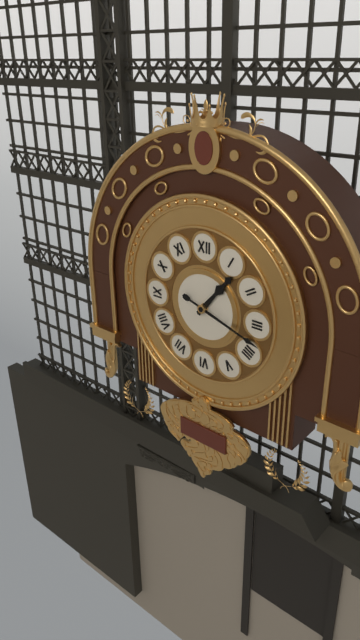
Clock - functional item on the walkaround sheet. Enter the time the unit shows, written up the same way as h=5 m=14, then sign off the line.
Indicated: h=1 m=18
